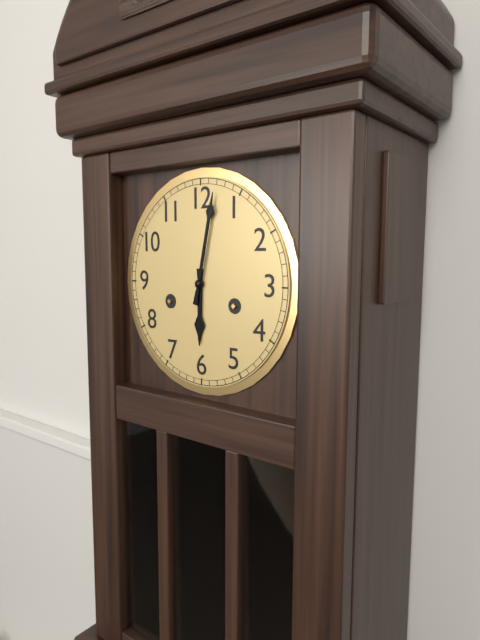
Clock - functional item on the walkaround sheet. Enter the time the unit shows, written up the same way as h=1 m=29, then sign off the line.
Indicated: h=6 m=2
